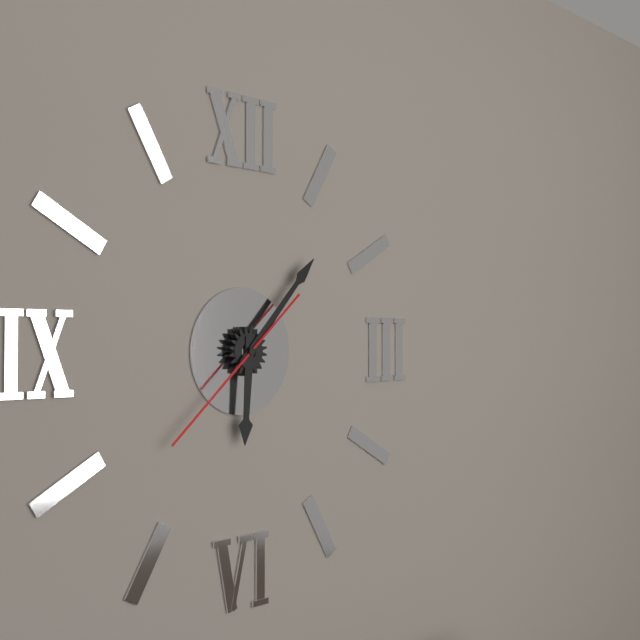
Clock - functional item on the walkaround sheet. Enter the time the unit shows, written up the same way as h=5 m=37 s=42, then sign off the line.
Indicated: h=6 m=7 s=38
